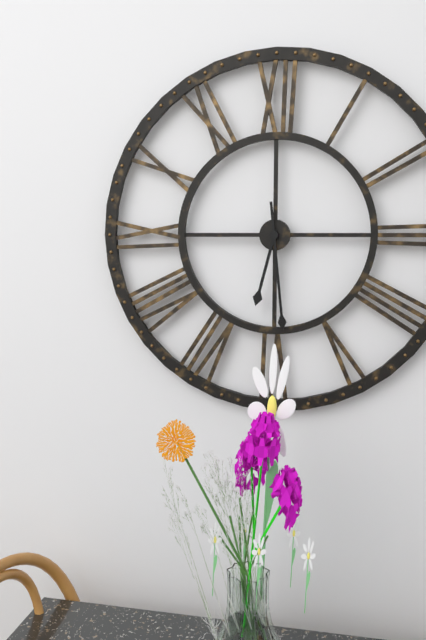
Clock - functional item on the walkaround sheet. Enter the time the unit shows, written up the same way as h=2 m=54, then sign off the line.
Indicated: h=6 m=29
